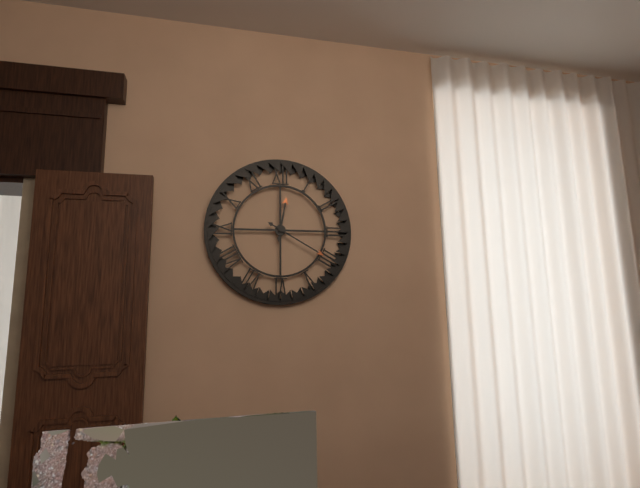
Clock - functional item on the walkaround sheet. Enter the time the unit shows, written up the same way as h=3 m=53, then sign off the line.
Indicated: h=12 m=20
